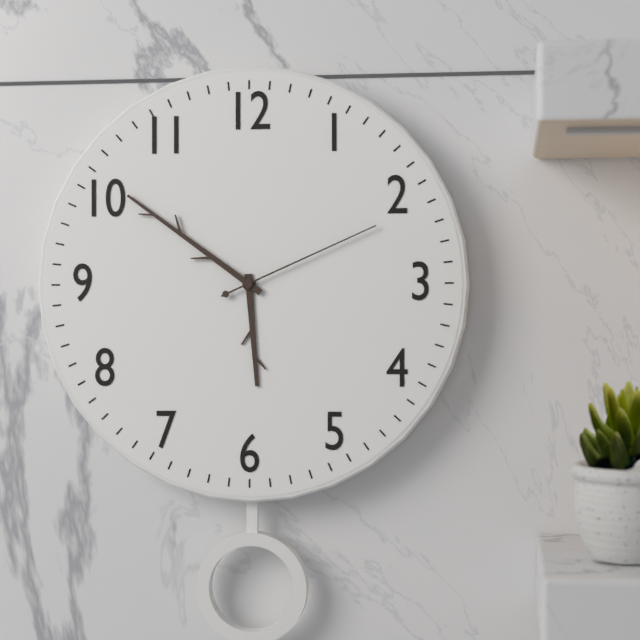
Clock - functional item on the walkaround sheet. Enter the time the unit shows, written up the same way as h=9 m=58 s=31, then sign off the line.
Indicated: h=5 m=51 s=11
